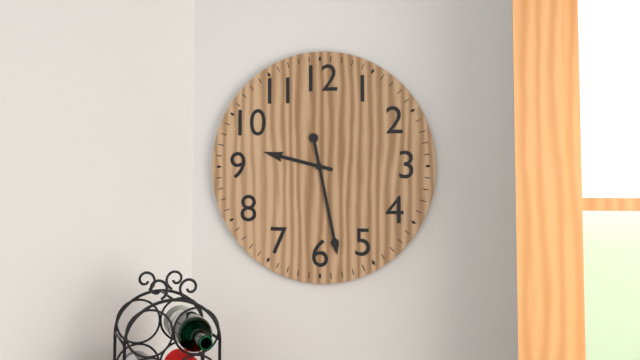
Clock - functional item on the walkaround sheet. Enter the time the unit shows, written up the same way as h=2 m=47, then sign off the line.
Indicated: h=9 m=28
